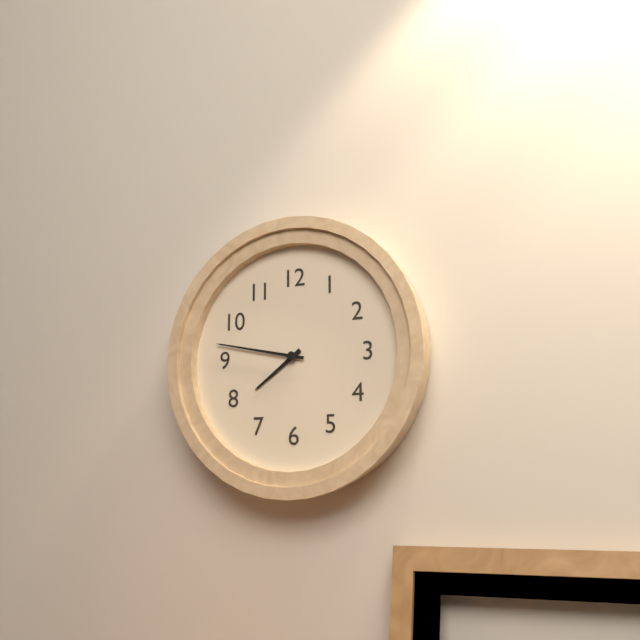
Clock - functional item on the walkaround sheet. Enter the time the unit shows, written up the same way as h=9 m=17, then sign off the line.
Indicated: h=7 m=47
